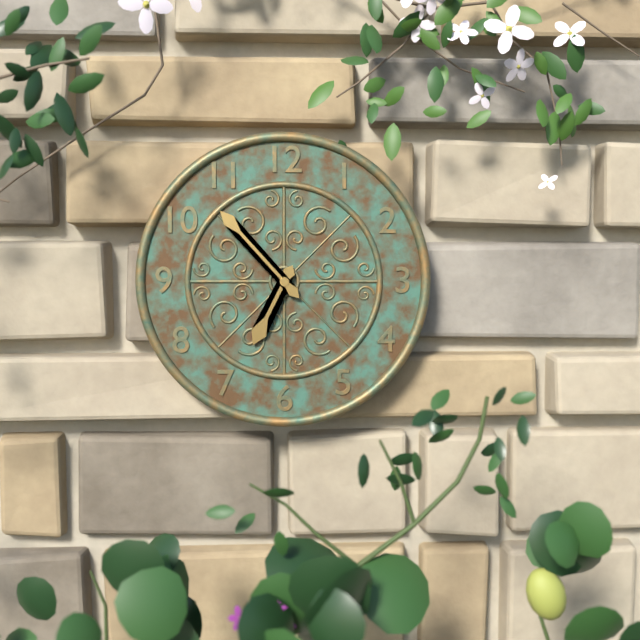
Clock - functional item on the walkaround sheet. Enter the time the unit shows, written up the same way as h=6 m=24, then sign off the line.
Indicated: h=6 m=53
